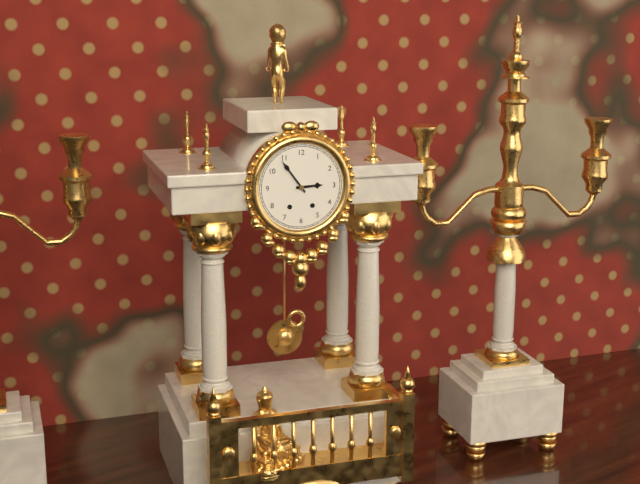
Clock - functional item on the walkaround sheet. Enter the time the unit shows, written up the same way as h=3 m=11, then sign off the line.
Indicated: h=2 m=54
